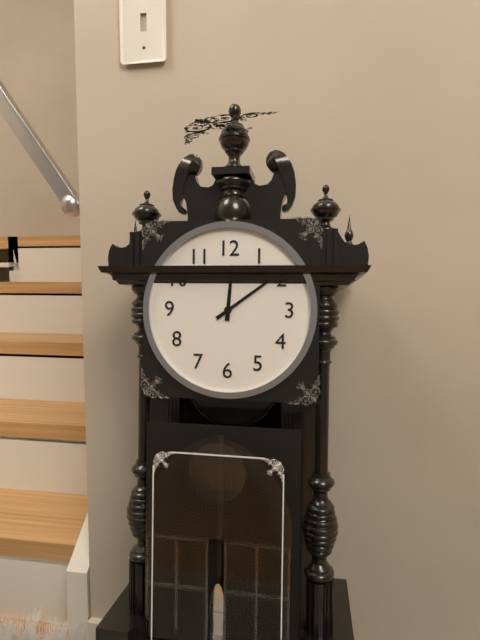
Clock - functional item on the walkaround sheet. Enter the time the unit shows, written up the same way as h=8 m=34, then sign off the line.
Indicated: h=12 m=9
